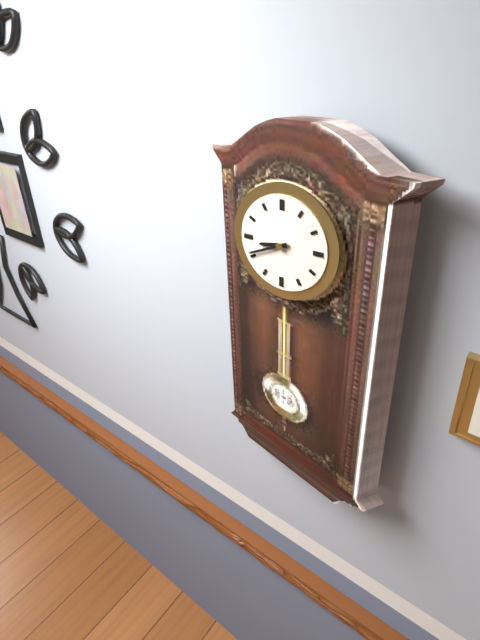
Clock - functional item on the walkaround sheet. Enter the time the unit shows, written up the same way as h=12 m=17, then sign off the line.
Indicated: h=8 m=41
